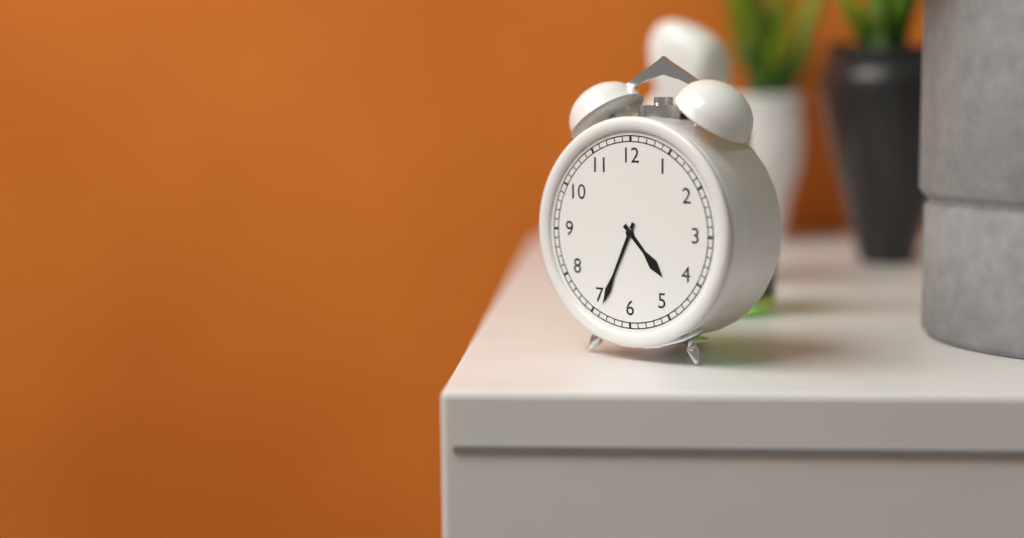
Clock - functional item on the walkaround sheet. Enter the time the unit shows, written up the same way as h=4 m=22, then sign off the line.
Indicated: h=4 m=34
